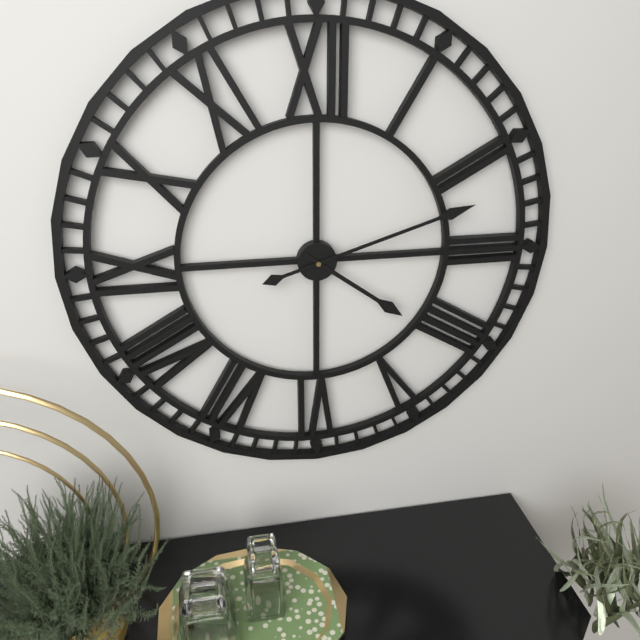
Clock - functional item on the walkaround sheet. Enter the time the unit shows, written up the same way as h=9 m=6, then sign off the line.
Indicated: h=4 m=12
